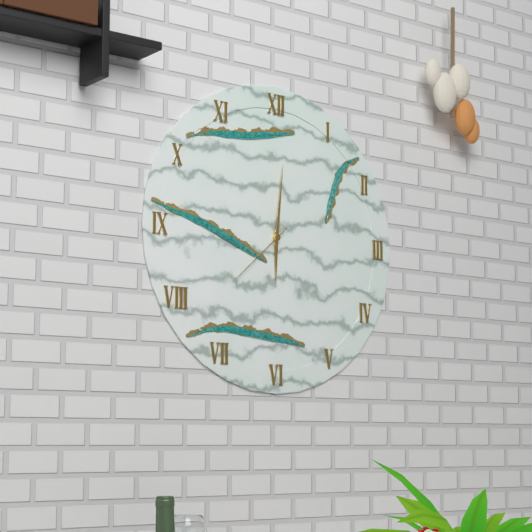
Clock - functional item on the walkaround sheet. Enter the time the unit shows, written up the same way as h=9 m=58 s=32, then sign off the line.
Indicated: h=6 m=1 s=38
